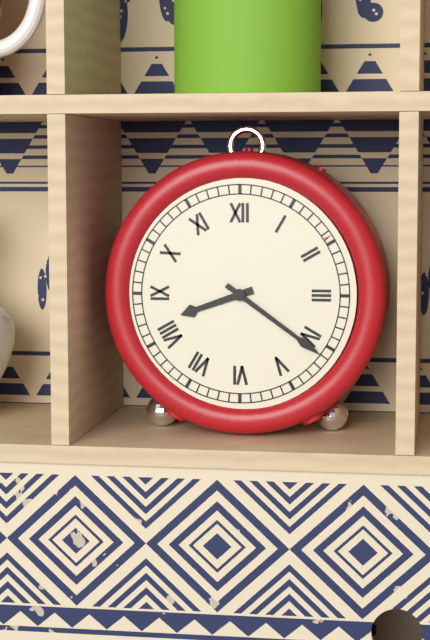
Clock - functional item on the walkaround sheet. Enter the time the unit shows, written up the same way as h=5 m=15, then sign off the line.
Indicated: h=8 m=21
